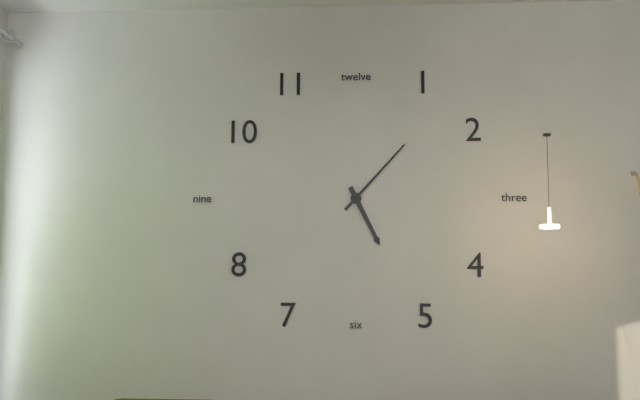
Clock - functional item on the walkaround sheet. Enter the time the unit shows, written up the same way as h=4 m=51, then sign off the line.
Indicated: h=5 m=7
